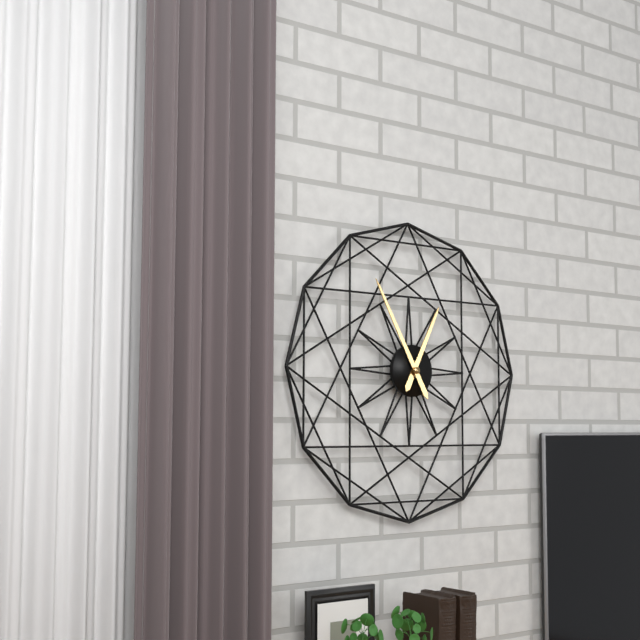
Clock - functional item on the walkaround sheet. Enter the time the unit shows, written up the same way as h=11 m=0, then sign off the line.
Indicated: h=12 m=55
